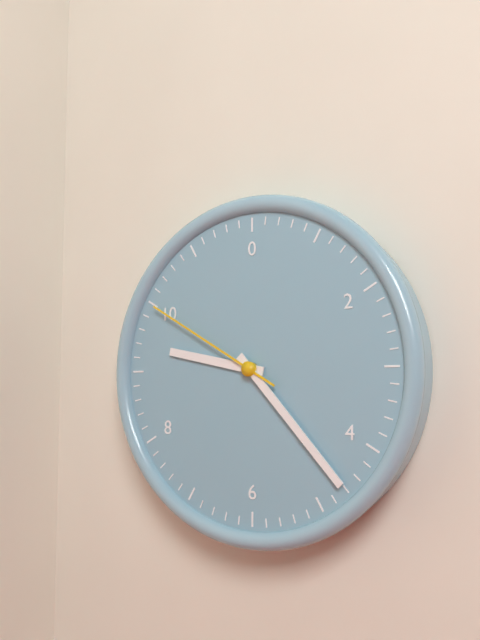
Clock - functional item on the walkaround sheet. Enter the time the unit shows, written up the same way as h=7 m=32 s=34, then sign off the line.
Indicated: h=9 m=23 s=50
